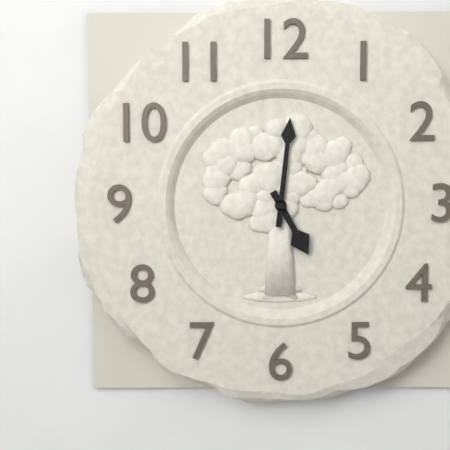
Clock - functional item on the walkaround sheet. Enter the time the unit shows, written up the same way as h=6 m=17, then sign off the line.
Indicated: h=5 m=1
